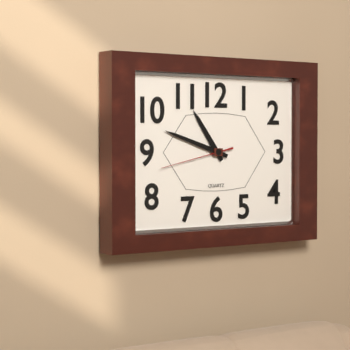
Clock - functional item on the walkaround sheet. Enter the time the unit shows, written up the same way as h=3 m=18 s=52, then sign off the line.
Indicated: h=10 m=48 s=43
